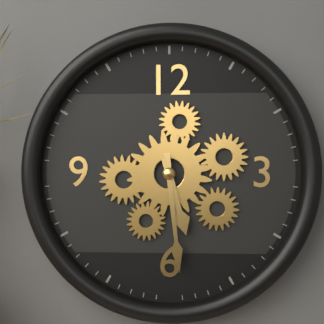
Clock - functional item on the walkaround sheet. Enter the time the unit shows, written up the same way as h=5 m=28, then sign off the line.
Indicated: h=5 m=29
